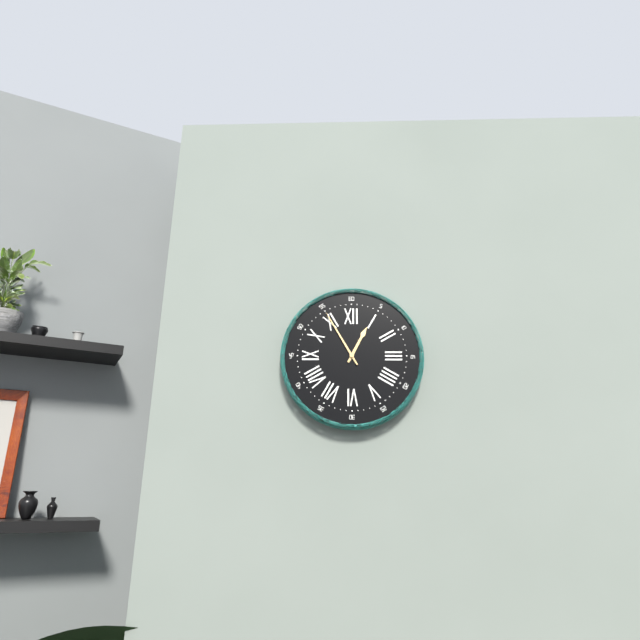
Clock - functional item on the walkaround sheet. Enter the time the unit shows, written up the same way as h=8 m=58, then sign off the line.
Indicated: h=12 m=55
